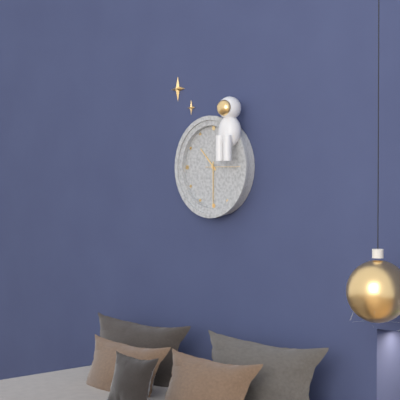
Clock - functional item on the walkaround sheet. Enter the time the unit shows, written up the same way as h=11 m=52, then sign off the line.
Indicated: h=10 m=30
